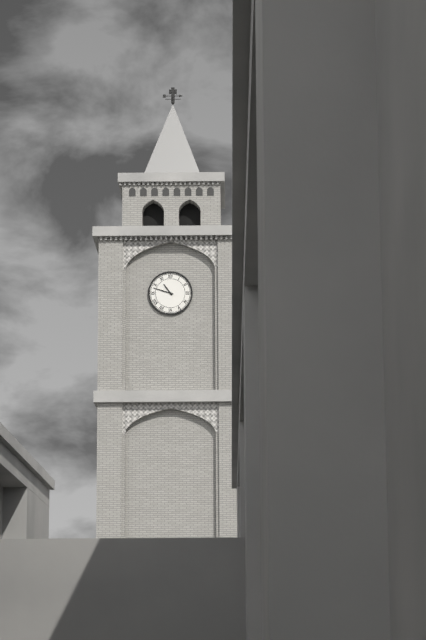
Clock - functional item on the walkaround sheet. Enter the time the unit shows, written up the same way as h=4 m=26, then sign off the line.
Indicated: h=10 m=48
